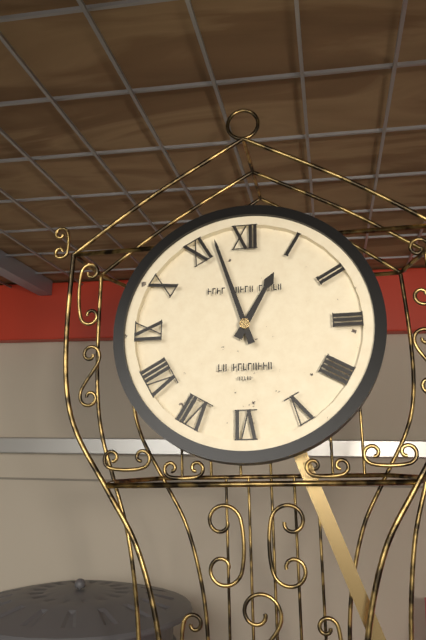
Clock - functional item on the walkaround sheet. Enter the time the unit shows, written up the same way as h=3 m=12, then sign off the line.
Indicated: h=12 m=57
